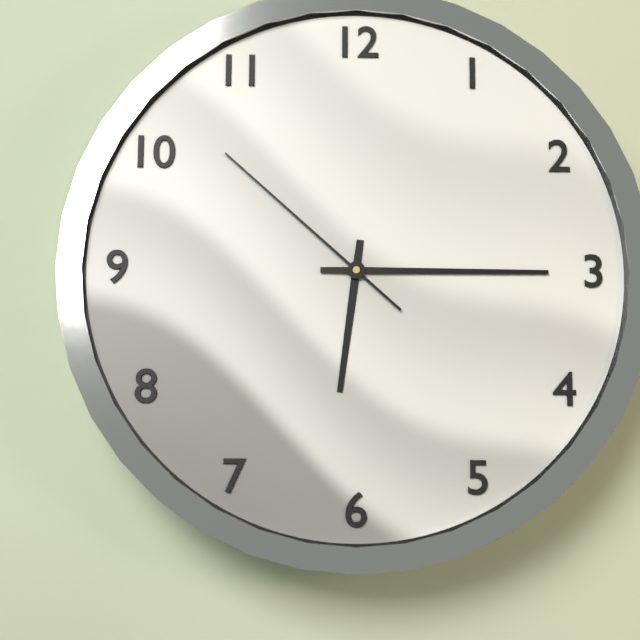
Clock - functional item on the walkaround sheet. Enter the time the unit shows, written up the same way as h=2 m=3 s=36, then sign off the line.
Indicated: h=6 m=15 s=52
